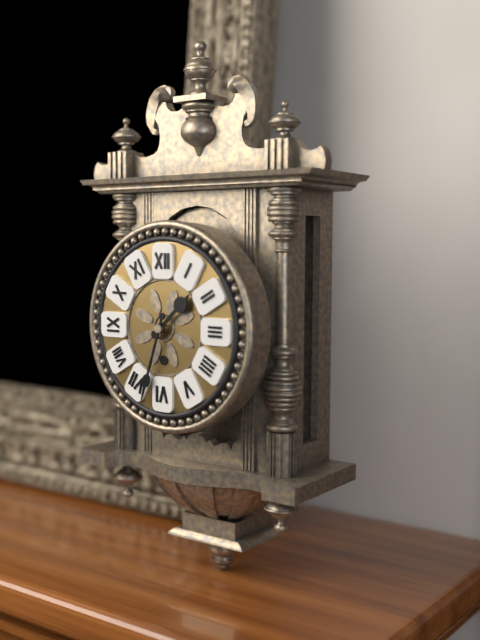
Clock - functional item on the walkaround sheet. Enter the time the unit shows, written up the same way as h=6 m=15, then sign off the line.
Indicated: h=1 m=33
